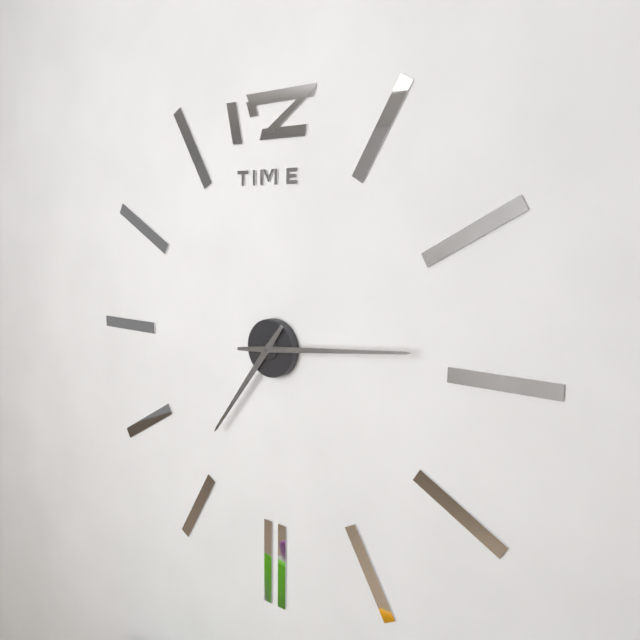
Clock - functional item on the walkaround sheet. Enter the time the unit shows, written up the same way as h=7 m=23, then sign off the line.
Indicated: h=7 m=14
